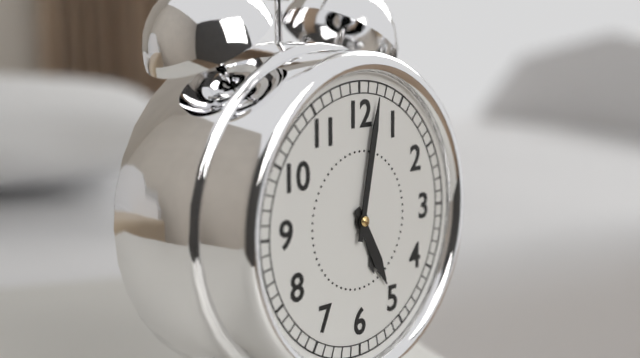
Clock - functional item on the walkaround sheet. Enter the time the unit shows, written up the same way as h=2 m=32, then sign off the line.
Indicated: h=5 m=2
